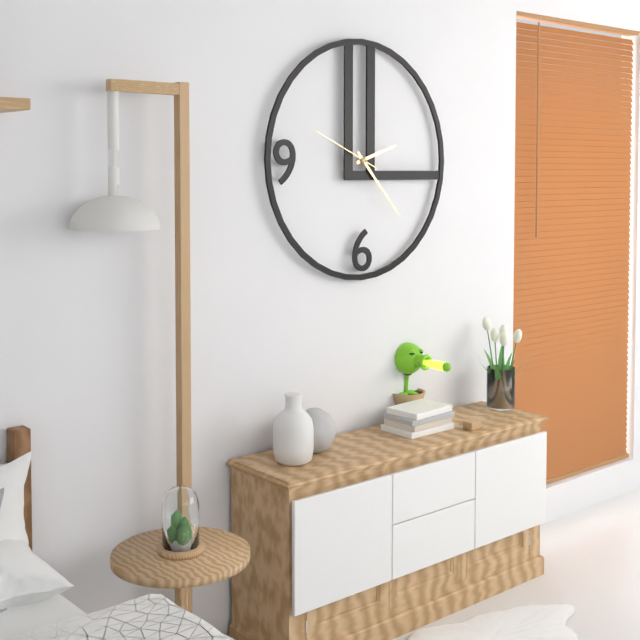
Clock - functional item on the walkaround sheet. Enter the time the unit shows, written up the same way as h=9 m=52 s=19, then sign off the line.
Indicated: h=2 m=23 s=49
